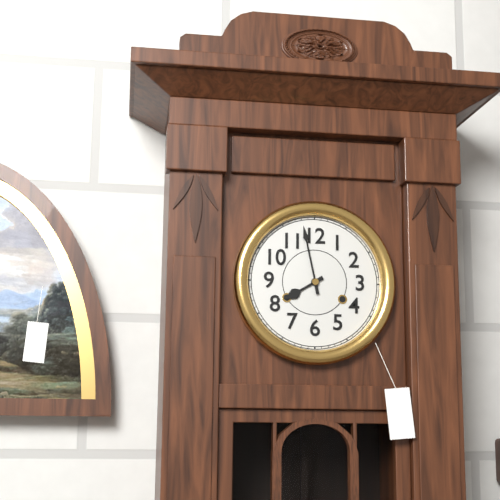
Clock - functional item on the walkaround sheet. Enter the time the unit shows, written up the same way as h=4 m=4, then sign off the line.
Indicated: h=7 m=58
